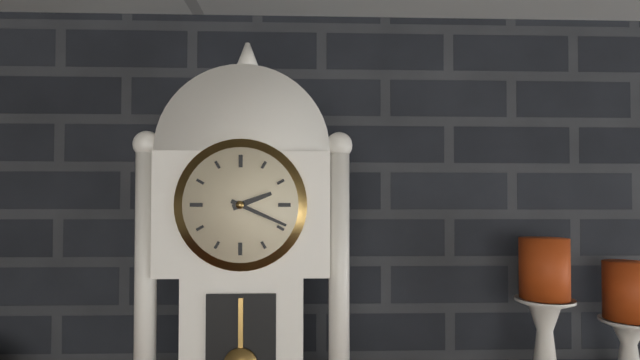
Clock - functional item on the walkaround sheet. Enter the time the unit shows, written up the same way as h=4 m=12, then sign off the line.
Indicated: h=2 m=19
